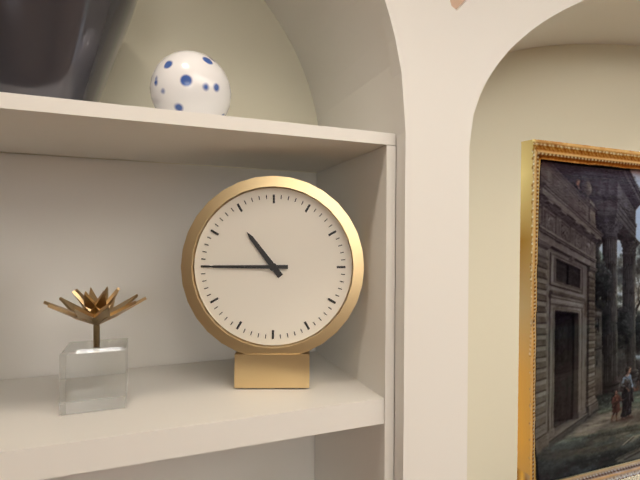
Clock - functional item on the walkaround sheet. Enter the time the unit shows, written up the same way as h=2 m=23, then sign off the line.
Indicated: h=10 m=45
